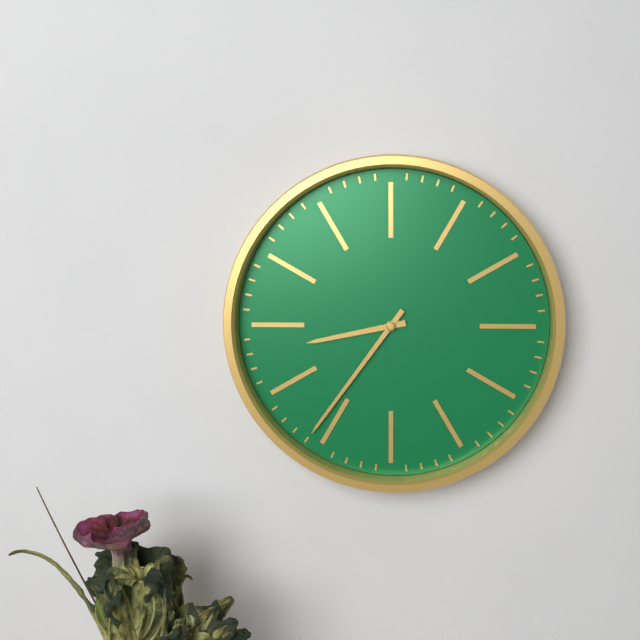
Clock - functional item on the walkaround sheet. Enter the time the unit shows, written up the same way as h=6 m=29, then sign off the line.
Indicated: h=8 m=36
